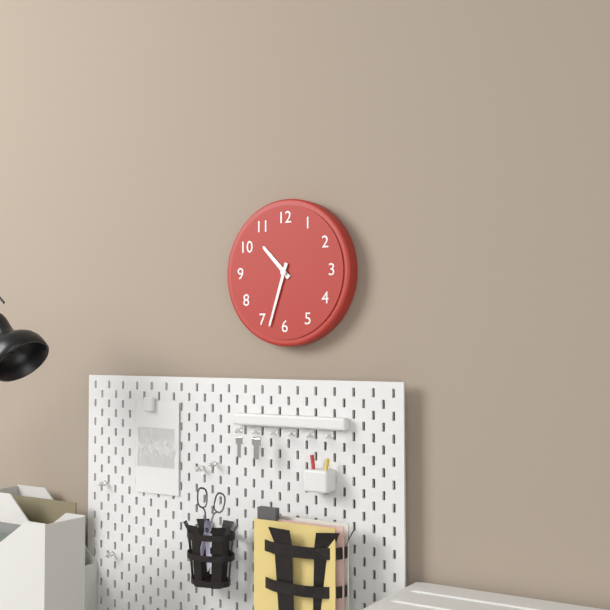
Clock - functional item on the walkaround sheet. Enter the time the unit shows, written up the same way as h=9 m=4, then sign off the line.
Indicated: h=10 m=33
